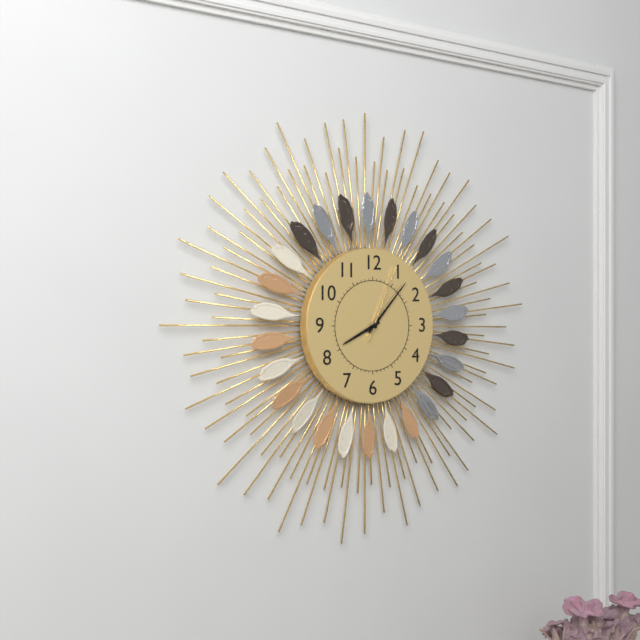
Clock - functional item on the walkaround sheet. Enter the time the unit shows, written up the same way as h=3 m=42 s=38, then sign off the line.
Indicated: h=8 m=7 s=4
